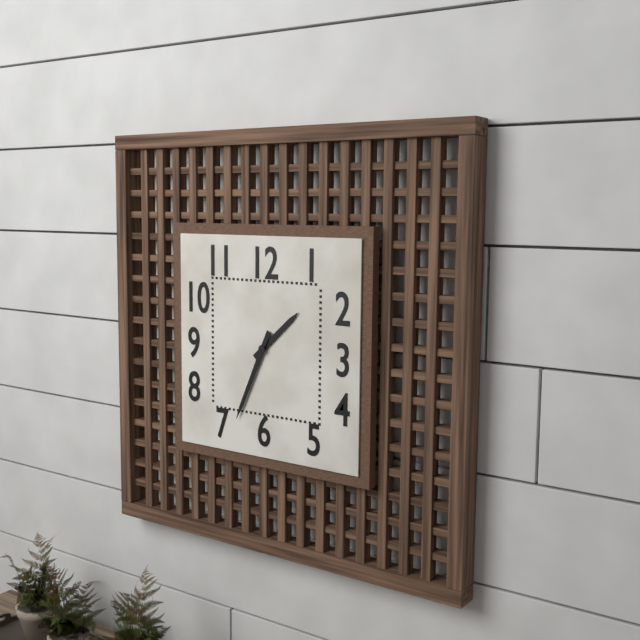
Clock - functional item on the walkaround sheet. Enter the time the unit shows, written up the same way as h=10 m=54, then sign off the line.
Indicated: h=1 m=34
